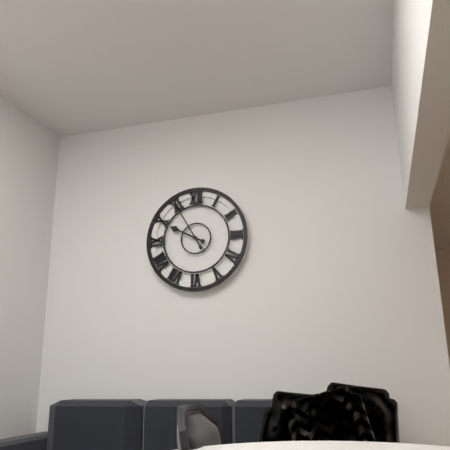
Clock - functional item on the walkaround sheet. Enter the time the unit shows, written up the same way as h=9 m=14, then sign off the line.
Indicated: h=9 m=55
